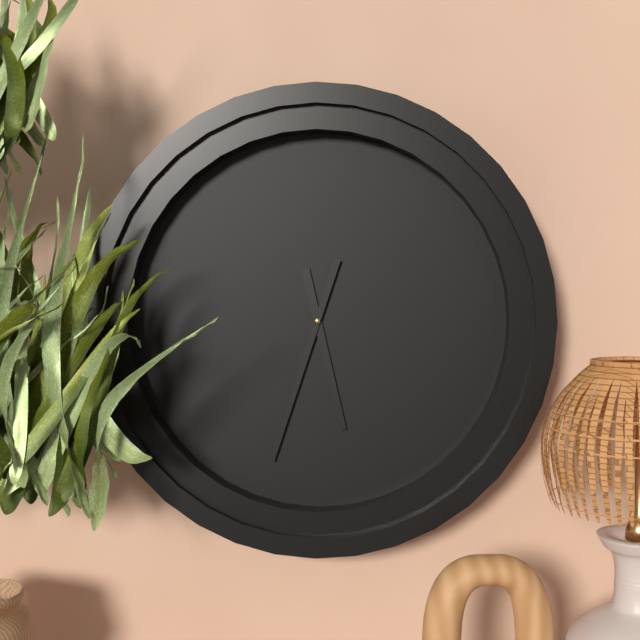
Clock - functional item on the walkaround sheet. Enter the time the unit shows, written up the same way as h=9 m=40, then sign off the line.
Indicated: h=5 m=33
